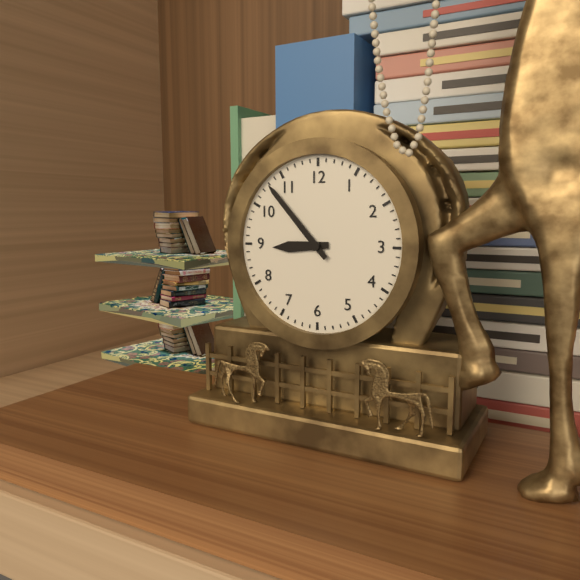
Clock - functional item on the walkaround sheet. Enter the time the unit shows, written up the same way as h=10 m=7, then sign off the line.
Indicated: h=8 m=53
